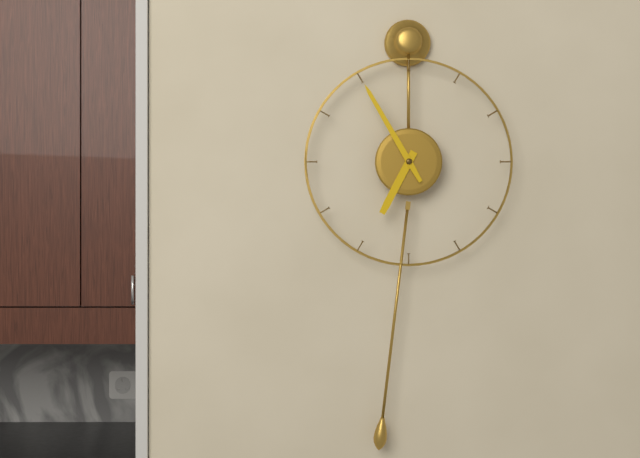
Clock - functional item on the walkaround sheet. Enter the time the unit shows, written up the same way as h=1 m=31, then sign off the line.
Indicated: h=6 m=55
